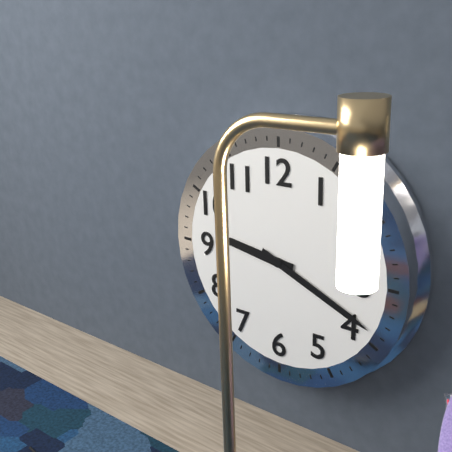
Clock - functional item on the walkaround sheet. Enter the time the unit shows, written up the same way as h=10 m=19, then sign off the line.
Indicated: h=9 m=19
